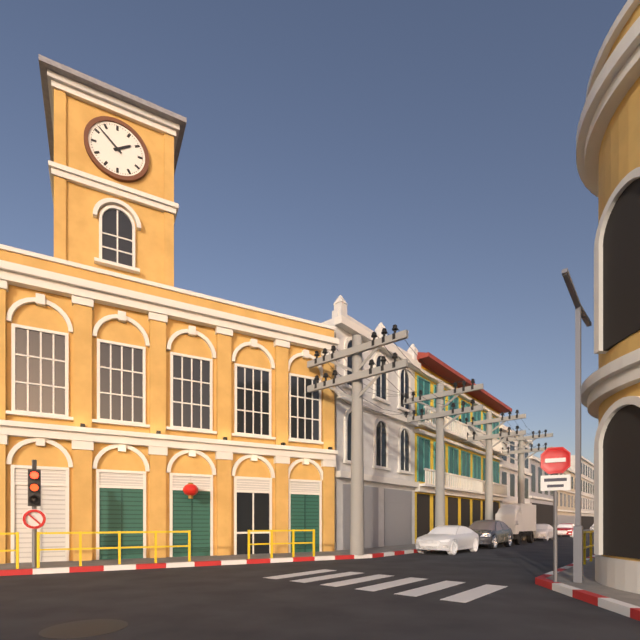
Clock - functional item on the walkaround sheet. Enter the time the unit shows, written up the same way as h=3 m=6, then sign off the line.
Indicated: h=1 m=52
